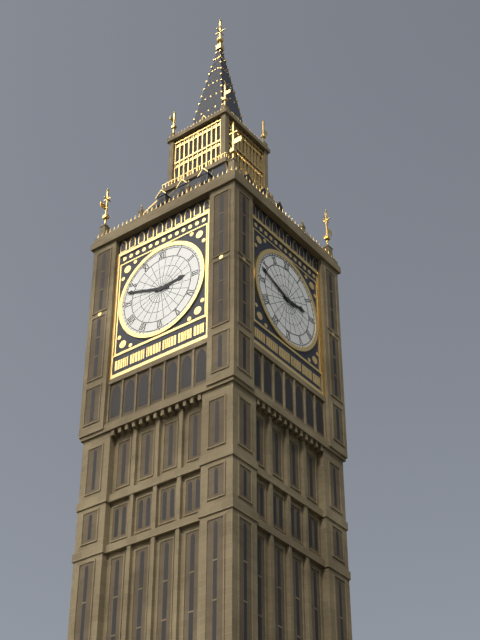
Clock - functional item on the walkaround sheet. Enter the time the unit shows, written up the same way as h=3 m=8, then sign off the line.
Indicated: h=2 m=48
